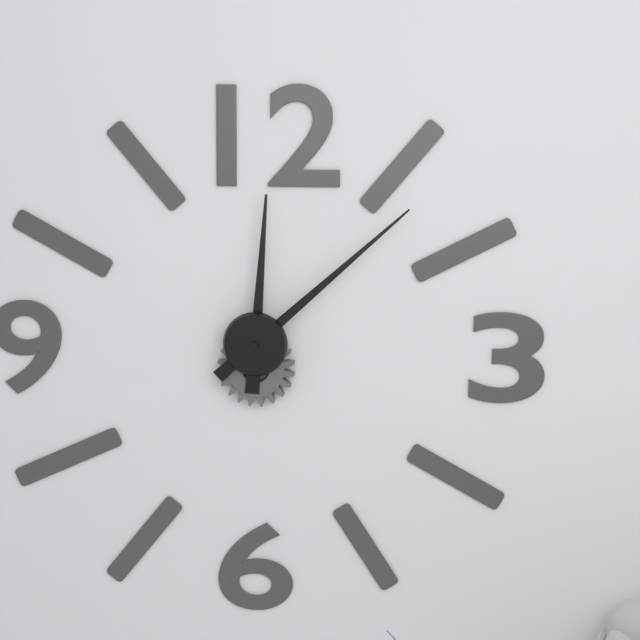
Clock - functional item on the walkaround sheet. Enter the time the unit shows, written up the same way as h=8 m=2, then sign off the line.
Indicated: h=12 m=8
